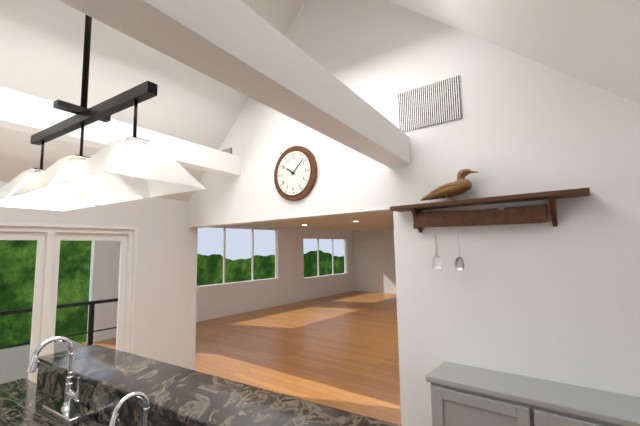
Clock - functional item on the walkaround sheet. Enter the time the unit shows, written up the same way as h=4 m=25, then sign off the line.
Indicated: h=10 m=8
